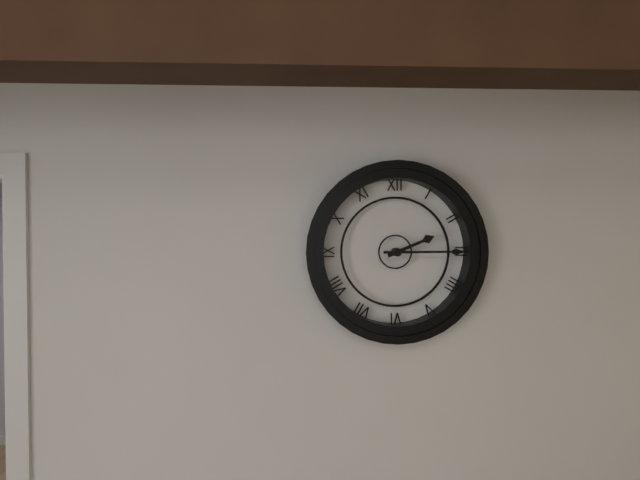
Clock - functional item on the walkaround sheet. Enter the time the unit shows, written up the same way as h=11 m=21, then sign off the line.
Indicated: h=2 m=15
